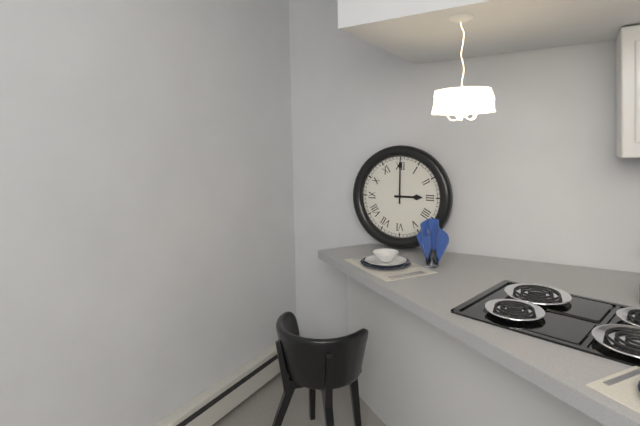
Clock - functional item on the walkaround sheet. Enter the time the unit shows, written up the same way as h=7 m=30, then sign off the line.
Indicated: h=3 m=0
